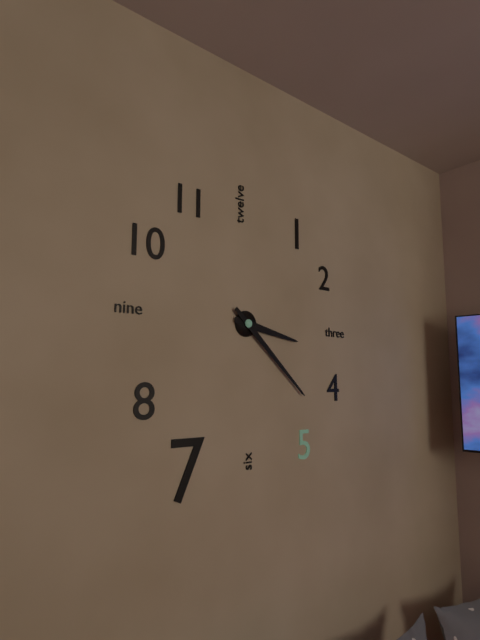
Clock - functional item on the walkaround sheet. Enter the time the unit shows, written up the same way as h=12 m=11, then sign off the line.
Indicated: h=3 m=22
